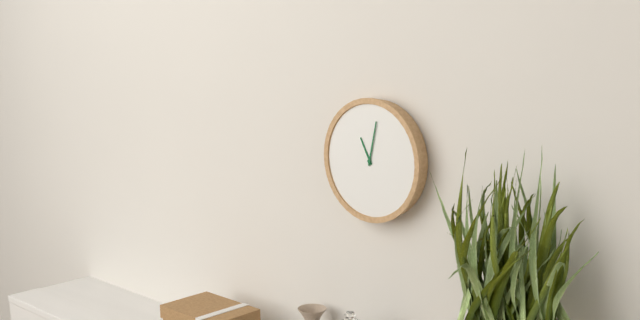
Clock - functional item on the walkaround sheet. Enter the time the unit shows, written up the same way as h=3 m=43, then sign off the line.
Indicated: h=11 m=2
